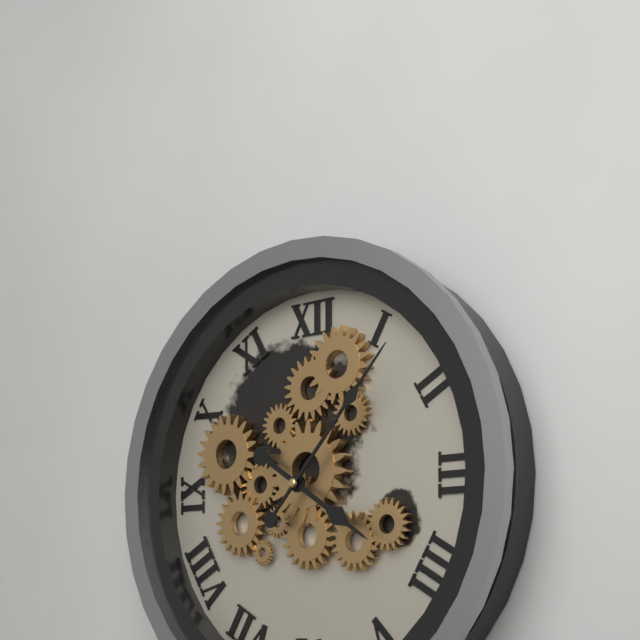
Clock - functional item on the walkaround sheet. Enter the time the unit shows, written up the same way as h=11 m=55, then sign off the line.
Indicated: h=4 m=7
